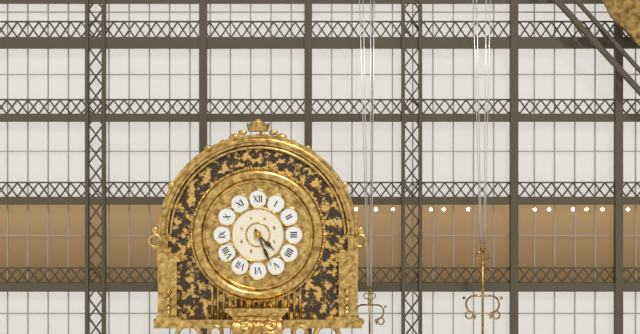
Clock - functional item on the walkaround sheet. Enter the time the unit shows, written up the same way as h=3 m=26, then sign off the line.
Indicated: h=4 m=26
